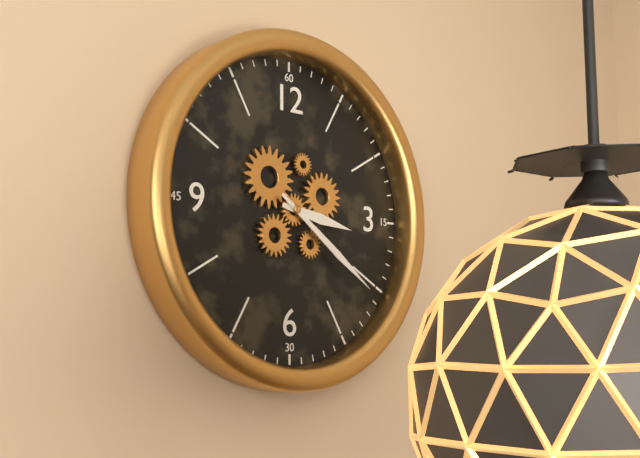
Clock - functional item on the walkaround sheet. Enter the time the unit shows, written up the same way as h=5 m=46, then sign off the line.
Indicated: h=3 m=21
